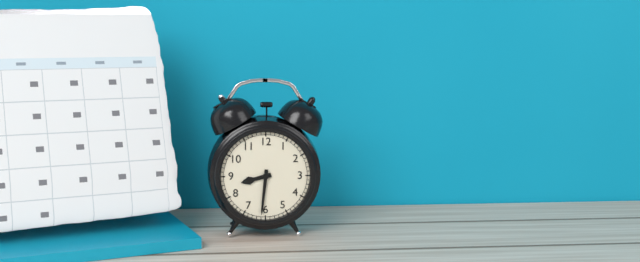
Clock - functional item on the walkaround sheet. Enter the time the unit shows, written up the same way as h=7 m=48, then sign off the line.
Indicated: h=8 m=31
